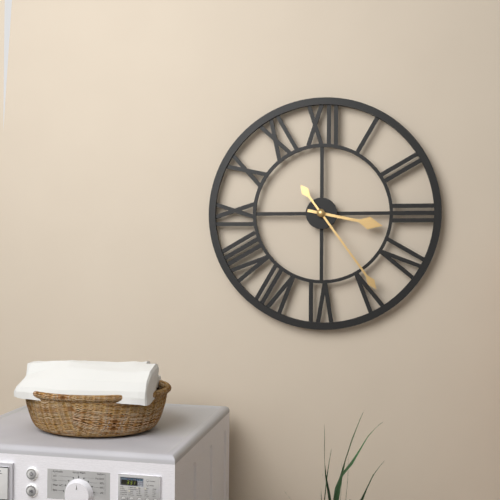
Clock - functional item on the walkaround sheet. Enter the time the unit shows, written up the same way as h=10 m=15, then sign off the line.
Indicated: h=3 m=24
